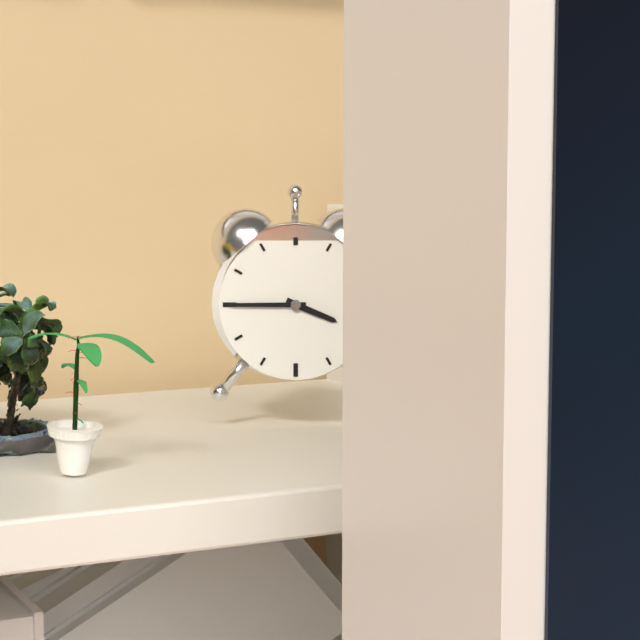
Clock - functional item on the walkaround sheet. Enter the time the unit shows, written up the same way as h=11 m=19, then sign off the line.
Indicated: h=3 m=45
